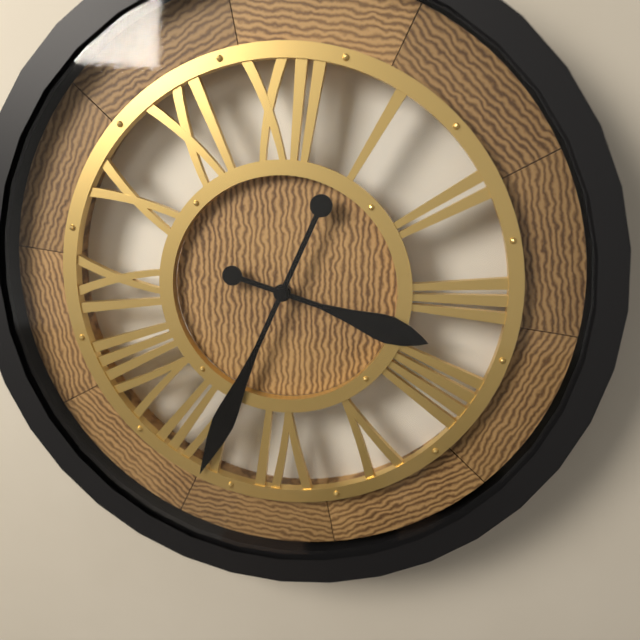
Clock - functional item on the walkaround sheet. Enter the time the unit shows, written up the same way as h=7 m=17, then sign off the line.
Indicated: h=3 m=34
